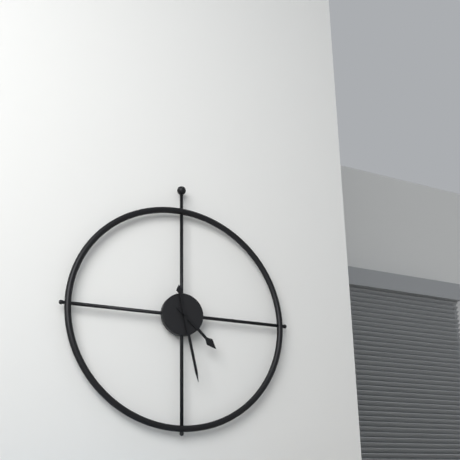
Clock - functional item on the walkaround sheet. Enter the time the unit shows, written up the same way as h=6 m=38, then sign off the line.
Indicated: h=4 m=28
